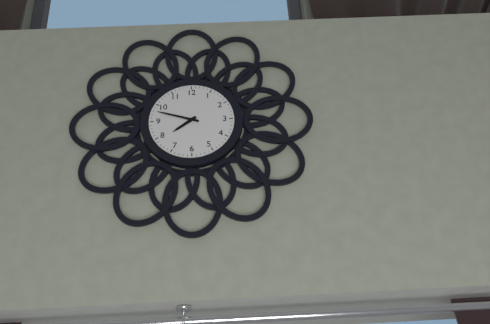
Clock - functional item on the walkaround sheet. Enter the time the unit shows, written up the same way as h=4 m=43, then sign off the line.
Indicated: h=7 m=48
